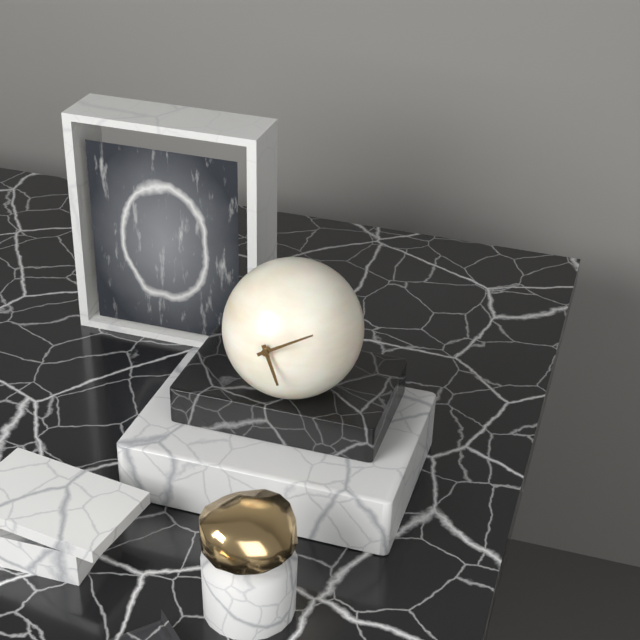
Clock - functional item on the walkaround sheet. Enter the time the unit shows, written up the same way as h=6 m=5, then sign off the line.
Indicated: h=5 m=10
